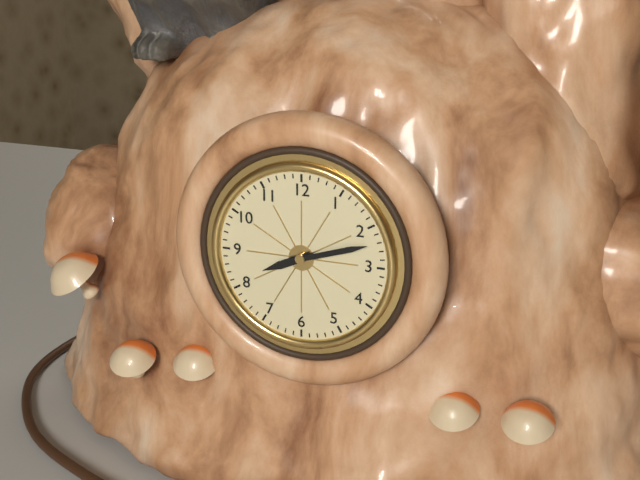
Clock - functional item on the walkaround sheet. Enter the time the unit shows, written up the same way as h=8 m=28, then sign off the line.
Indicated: h=8 m=12
